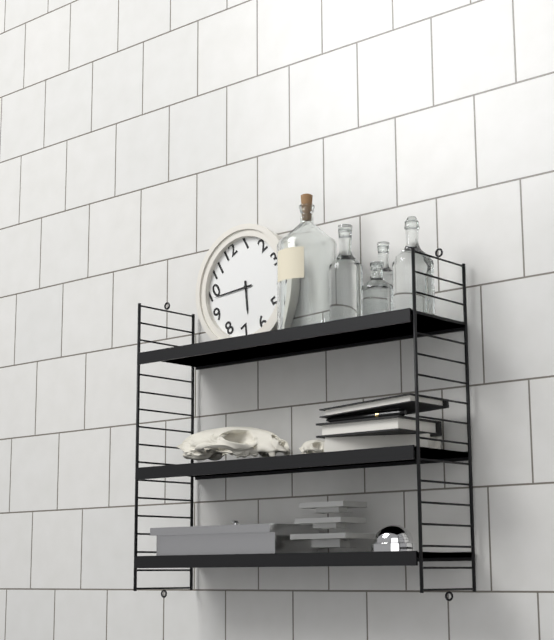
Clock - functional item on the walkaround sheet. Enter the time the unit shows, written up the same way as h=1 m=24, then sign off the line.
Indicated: h=6 m=49
